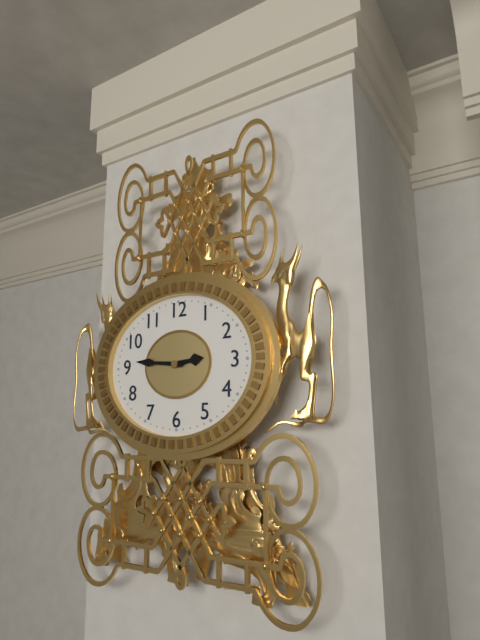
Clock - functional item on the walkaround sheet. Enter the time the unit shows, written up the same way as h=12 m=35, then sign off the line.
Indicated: h=2 m=46
